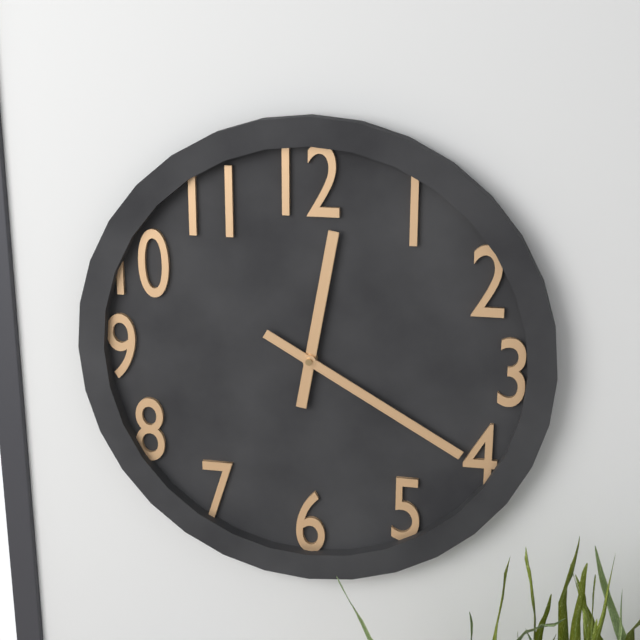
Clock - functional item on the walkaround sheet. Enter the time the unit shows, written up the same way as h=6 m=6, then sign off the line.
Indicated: h=12 m=20
